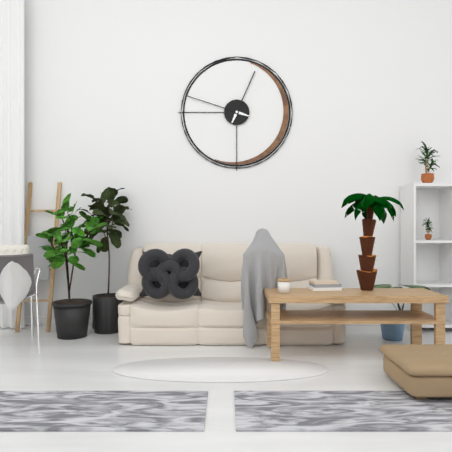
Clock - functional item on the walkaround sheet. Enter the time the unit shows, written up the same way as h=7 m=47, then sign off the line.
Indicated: h=12 m=48
